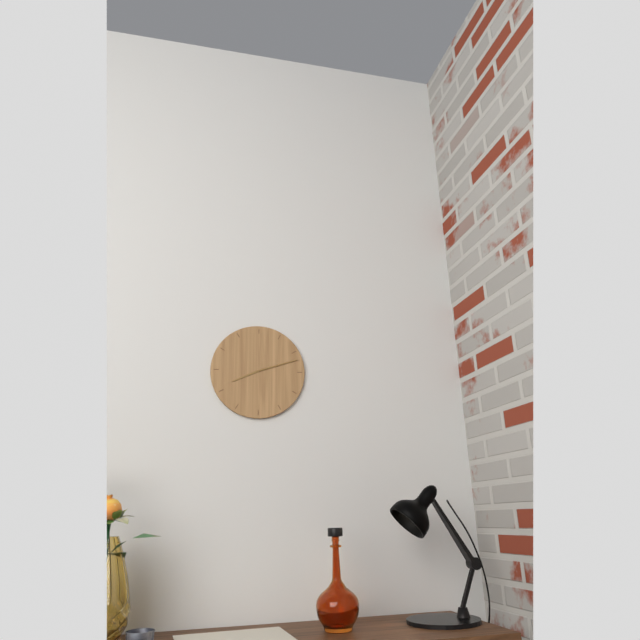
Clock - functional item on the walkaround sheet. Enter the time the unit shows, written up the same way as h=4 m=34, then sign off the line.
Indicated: h=8 m=12
